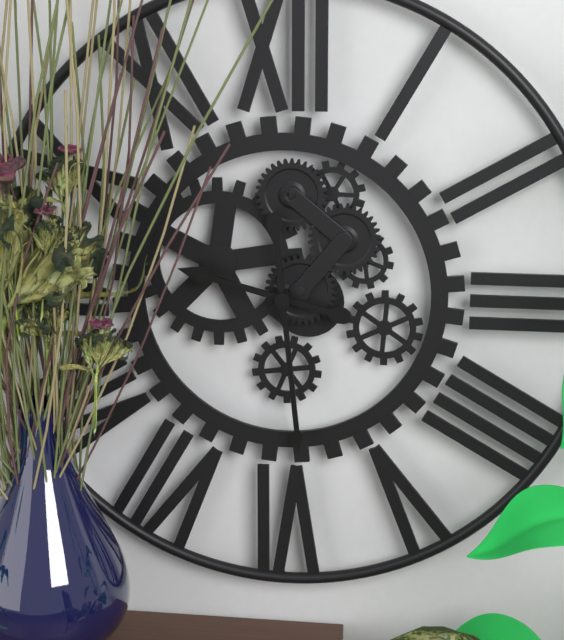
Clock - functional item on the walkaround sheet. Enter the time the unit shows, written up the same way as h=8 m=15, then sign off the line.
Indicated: h=9 m=29
